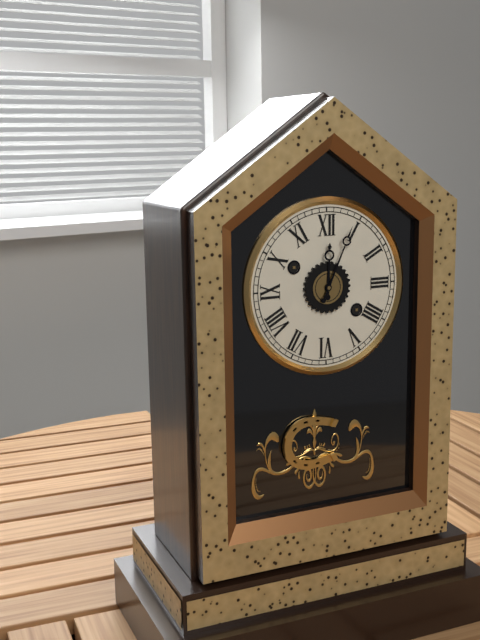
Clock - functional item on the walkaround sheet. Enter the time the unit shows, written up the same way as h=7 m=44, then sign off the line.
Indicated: h=12 m=4
